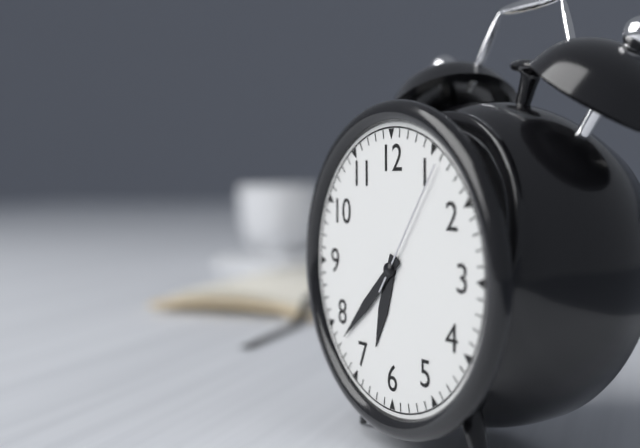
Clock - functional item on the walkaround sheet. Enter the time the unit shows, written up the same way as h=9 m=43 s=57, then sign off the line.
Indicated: h=6 m=38 s=6
